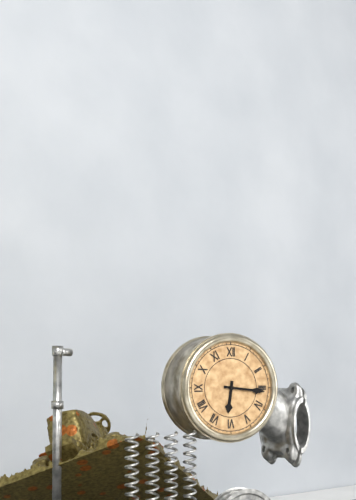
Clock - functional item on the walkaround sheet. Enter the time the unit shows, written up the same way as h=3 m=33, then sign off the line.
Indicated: h=6 m=16
